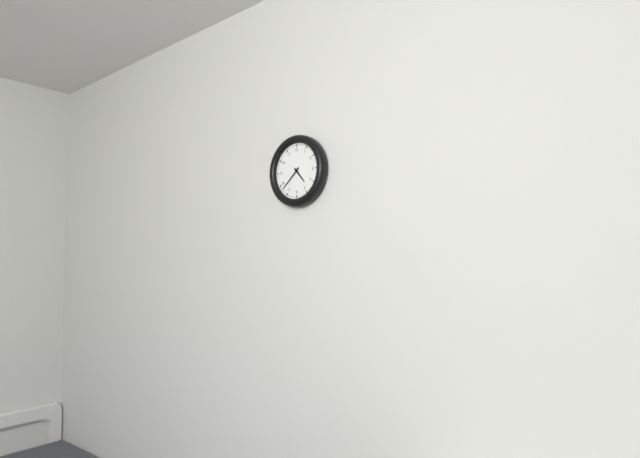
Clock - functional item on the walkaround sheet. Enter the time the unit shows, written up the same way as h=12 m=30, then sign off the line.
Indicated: h=4 m=38
